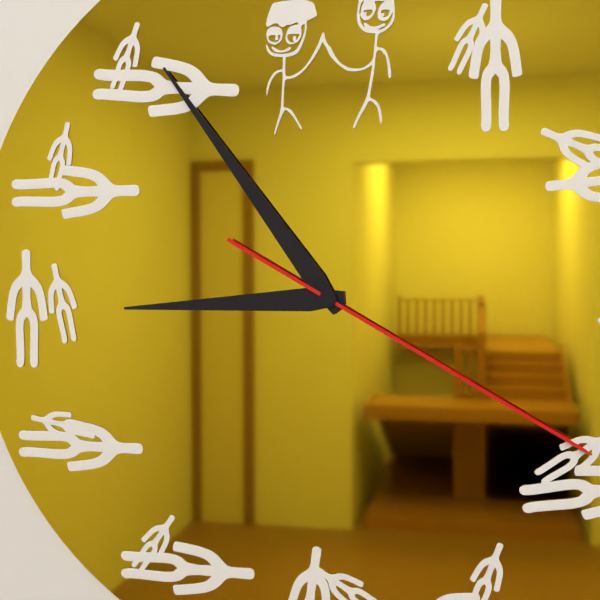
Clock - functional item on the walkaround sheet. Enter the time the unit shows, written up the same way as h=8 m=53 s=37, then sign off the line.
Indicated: h=8 m=54 s=20
